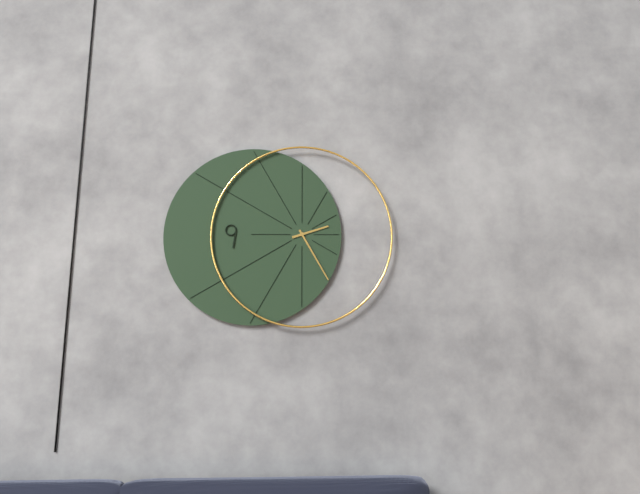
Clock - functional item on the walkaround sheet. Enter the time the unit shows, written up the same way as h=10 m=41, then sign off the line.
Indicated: h=2 m=25
